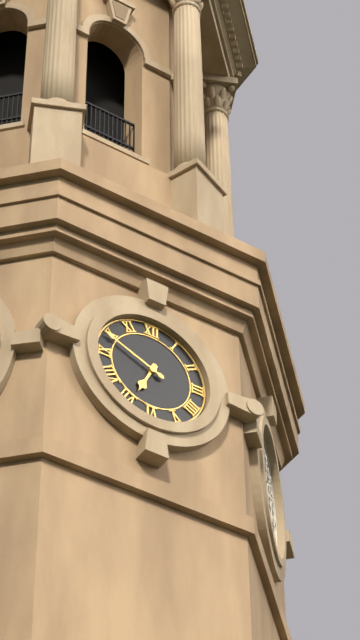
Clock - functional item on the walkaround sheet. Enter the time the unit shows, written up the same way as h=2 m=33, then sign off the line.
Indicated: h=6 m=49
